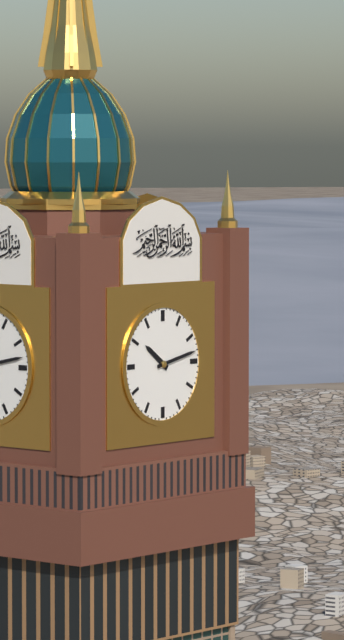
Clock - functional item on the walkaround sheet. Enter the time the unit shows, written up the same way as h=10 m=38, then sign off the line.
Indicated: h=10 m=13
